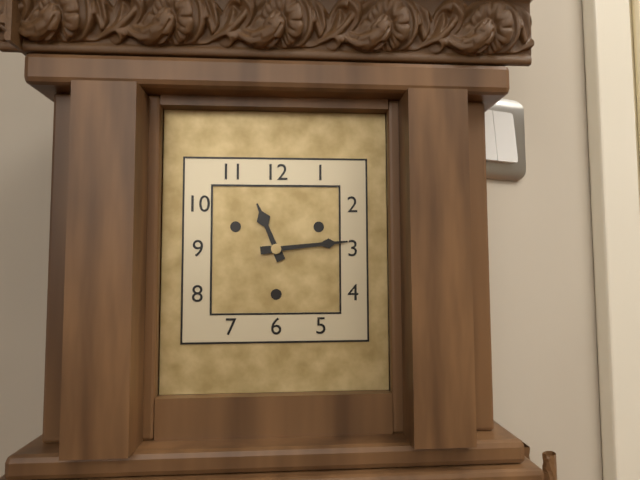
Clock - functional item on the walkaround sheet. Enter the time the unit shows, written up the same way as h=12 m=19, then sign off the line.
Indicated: h=11 m=14
